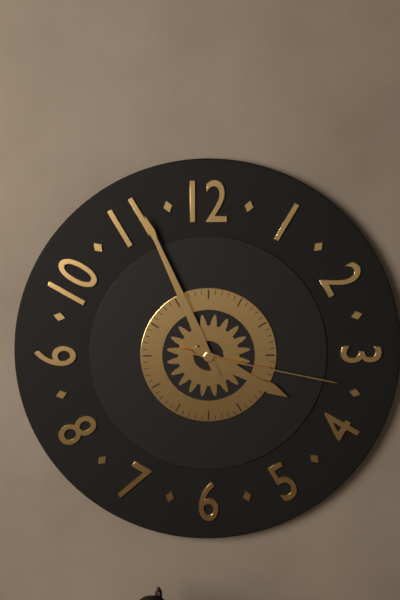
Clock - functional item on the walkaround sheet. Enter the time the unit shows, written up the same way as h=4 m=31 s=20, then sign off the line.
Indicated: h=3 m=56 s=17
